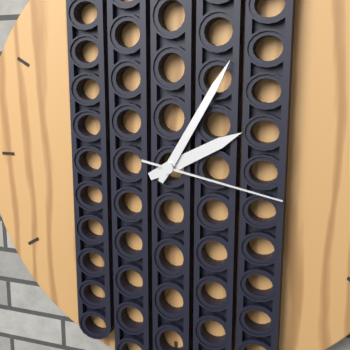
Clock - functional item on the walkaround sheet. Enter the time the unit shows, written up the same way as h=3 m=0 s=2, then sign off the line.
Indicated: h=2 m=5 s=17
